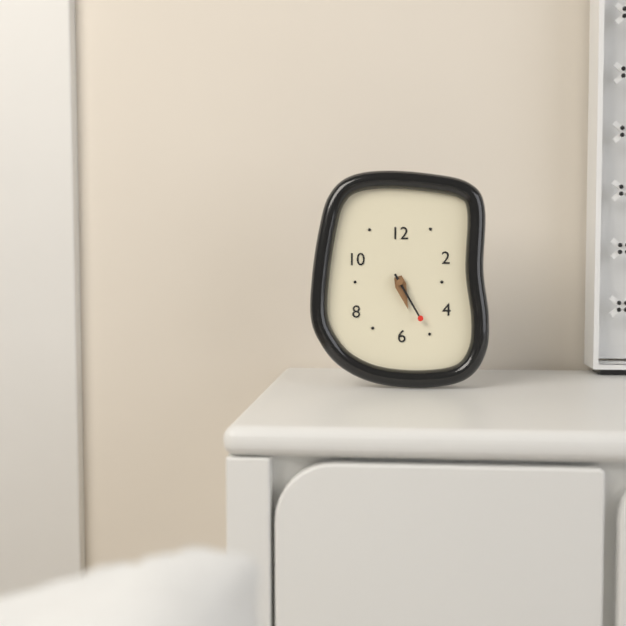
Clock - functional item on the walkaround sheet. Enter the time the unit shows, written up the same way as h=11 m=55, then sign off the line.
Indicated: h=5 m=25
